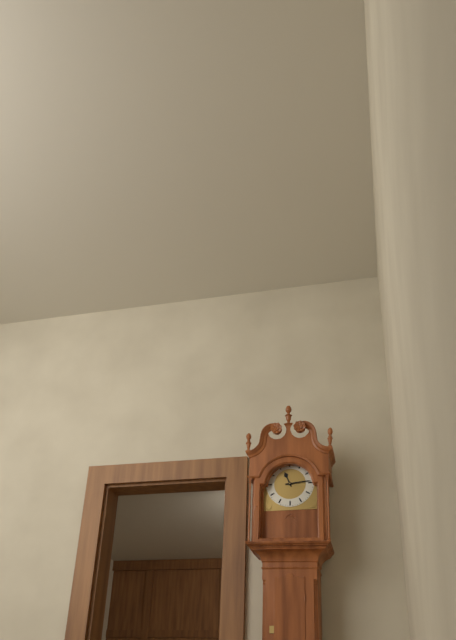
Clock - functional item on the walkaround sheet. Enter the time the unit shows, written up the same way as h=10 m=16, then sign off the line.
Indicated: h=11 m=14
